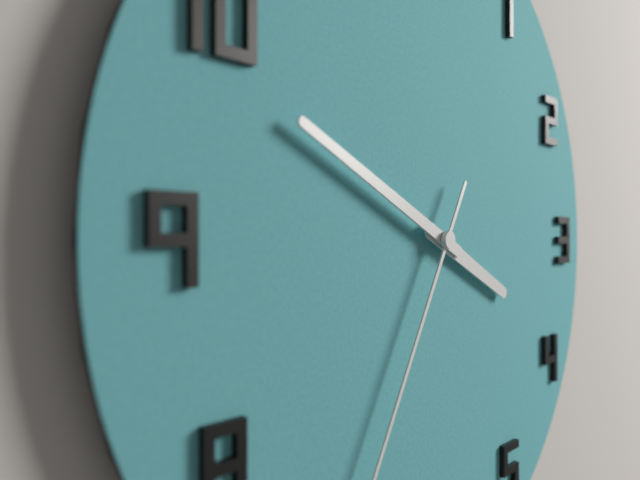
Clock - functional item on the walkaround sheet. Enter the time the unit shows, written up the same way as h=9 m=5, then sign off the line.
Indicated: h=3 m=49
